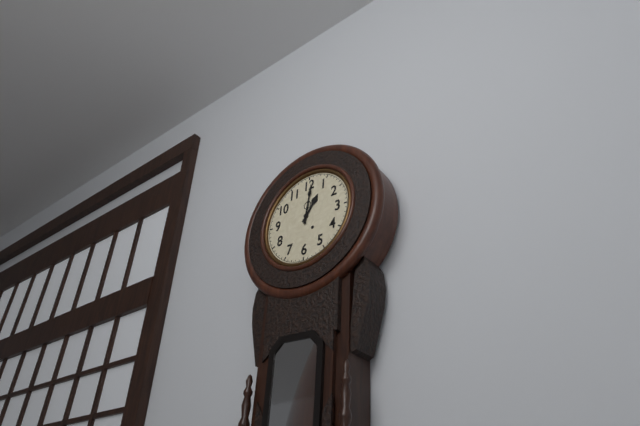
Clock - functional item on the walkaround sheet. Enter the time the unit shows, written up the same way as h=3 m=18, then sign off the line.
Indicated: h=1 m=1
